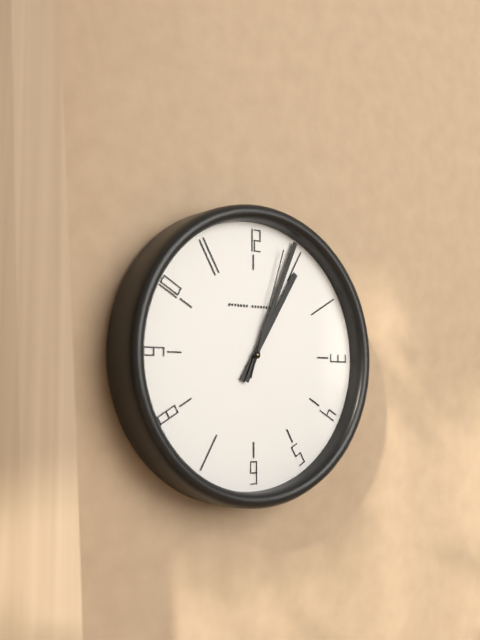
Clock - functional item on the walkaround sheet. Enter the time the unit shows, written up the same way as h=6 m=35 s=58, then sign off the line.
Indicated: h=1 m=4 s=3
